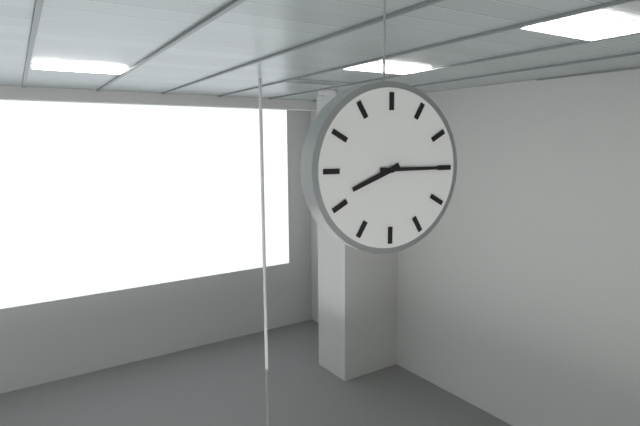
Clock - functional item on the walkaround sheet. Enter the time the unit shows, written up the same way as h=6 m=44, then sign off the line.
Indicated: h=8 m=15
